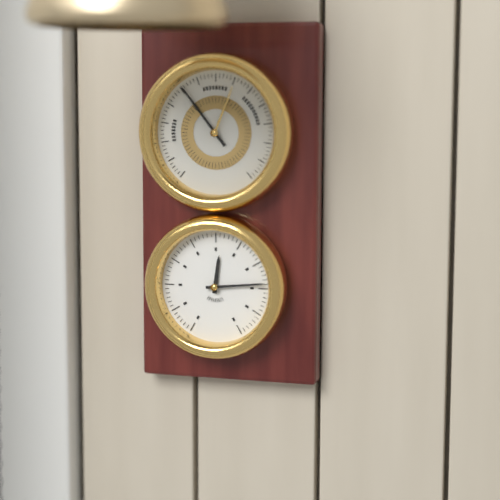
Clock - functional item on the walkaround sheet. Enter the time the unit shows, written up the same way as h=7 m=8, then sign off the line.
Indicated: h=12 m=14
